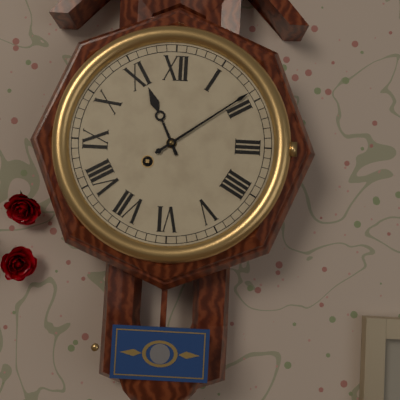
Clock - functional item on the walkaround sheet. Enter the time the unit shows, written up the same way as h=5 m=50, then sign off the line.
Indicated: h=11 m=9
